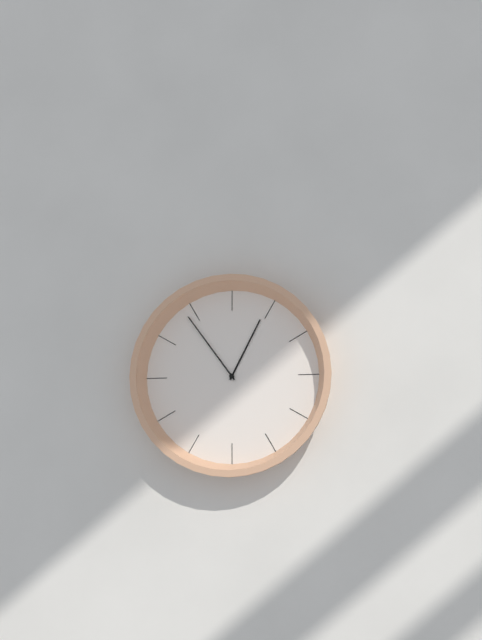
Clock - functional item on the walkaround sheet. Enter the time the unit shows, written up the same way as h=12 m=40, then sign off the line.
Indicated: h=12 m=54
